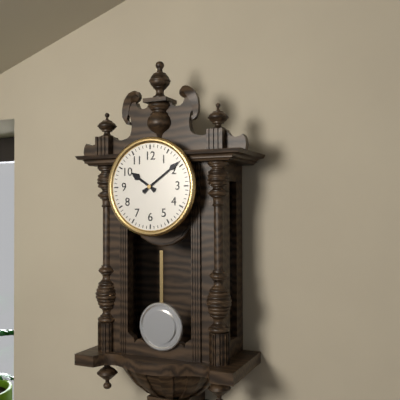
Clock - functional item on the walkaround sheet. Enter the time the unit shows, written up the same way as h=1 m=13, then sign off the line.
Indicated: h=10 m=9
